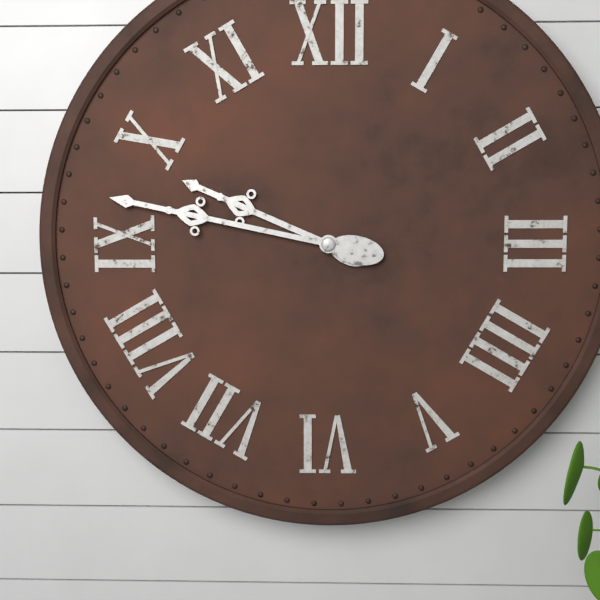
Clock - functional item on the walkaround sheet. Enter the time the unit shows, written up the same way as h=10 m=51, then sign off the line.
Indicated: h=9 m=47
